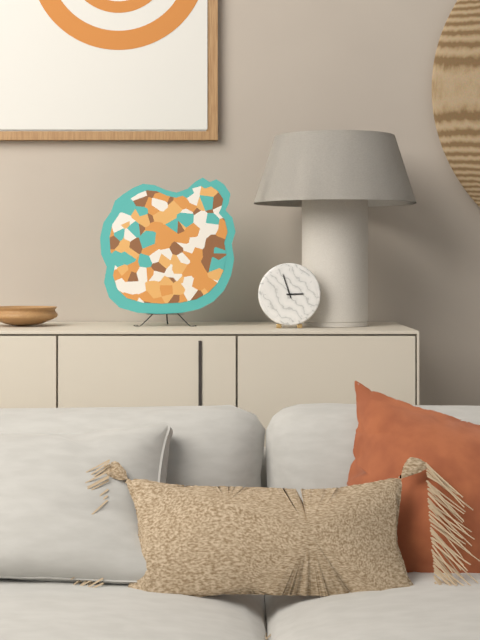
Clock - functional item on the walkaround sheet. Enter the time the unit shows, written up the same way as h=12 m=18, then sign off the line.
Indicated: h=2 m=57
